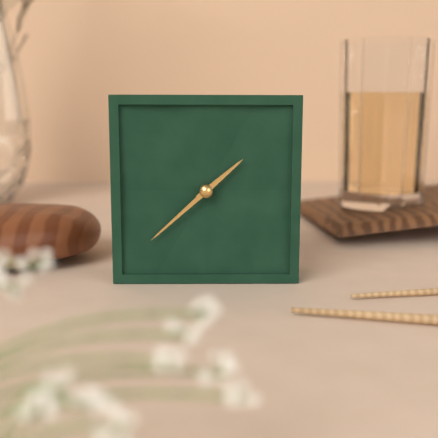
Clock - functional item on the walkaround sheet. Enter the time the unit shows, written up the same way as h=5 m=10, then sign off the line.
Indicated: h=1 m=38
